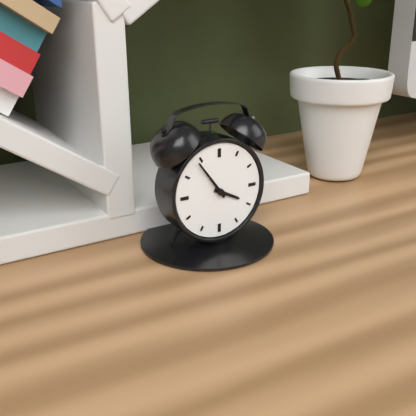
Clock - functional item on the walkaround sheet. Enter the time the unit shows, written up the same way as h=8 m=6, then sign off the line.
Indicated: h=3 m=54
